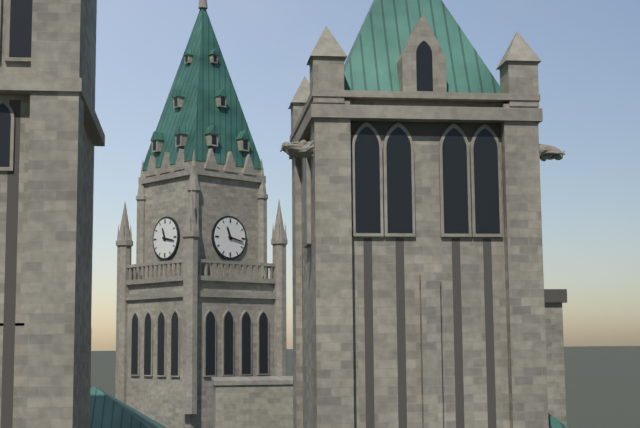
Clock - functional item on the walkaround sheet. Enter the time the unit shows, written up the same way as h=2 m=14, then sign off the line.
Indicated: h=11 m=17
